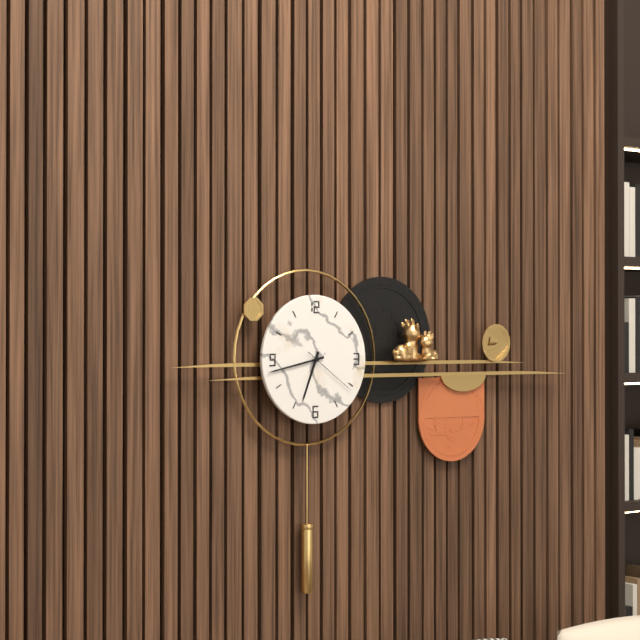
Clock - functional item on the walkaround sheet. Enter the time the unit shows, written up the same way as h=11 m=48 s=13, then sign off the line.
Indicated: h=6 m=43 s=21
